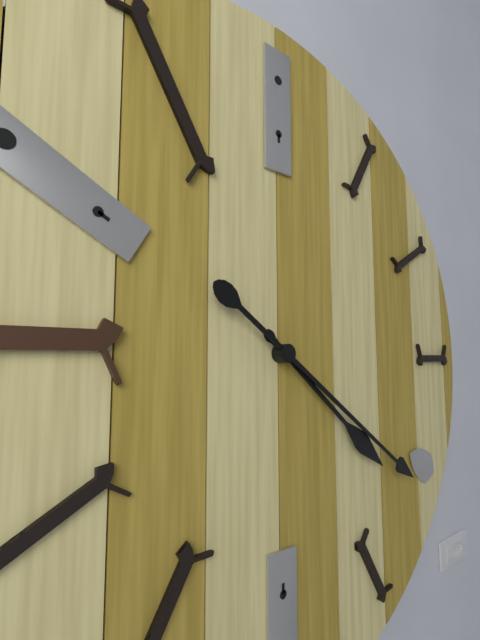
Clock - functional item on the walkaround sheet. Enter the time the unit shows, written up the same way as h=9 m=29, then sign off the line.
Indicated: h=4 m=21
